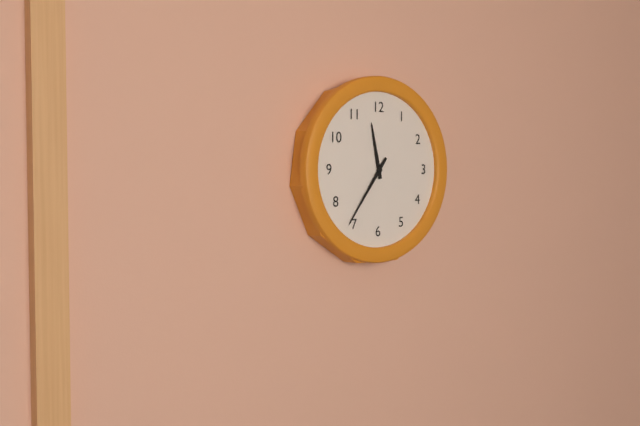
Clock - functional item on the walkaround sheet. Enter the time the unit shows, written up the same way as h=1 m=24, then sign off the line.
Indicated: h=11 m=36
